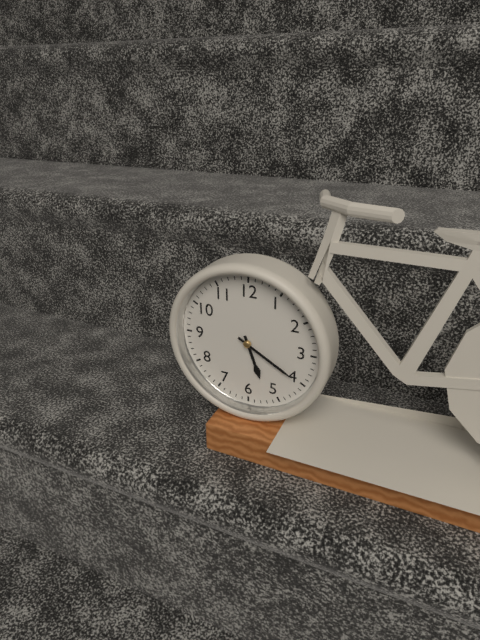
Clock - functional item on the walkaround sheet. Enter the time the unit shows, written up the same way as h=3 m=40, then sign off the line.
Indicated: h=5 m=20
